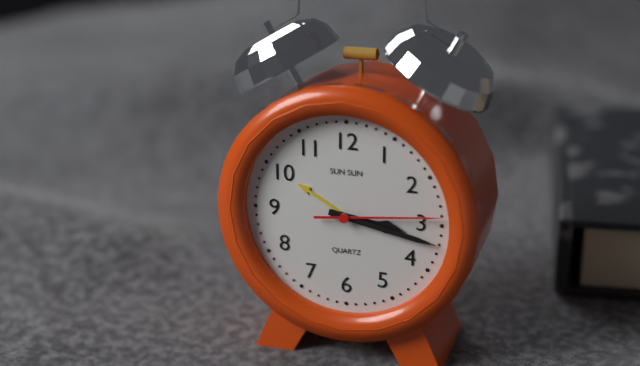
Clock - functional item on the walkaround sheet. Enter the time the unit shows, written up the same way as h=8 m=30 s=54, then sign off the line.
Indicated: h=3 m=17 s=14
